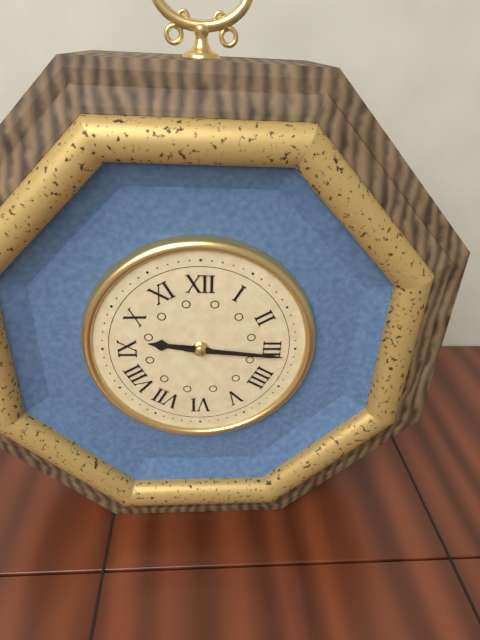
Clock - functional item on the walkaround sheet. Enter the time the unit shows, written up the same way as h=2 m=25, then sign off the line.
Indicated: h=9 m=16
